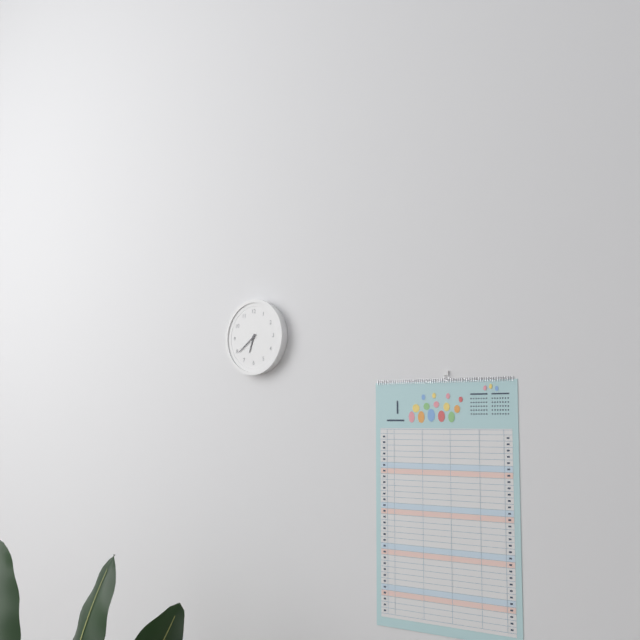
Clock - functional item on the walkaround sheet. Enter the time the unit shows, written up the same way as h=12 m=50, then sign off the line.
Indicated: h=6 m=39
